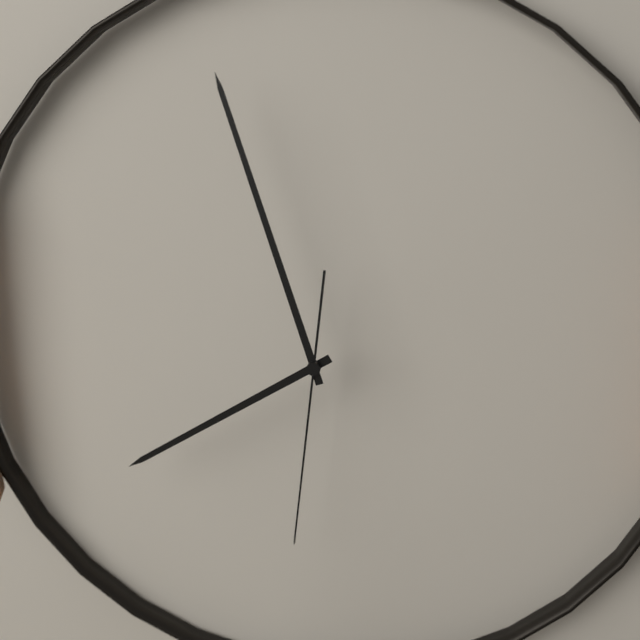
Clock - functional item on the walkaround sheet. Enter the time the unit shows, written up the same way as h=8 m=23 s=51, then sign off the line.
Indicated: h=7 m=57 s=31
